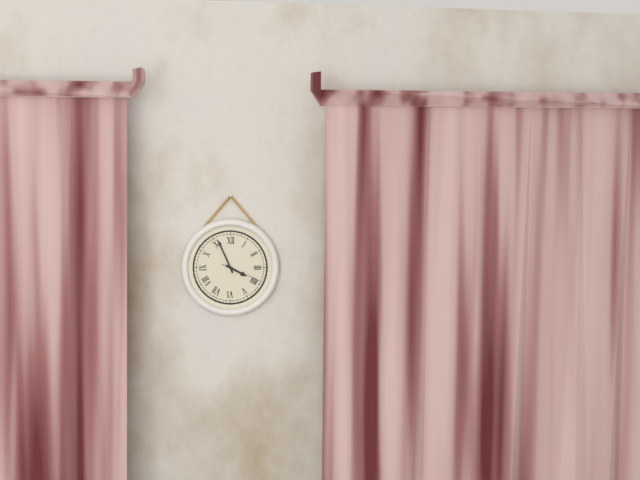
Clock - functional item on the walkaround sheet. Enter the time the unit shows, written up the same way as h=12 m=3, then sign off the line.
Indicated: h=3 m=56
